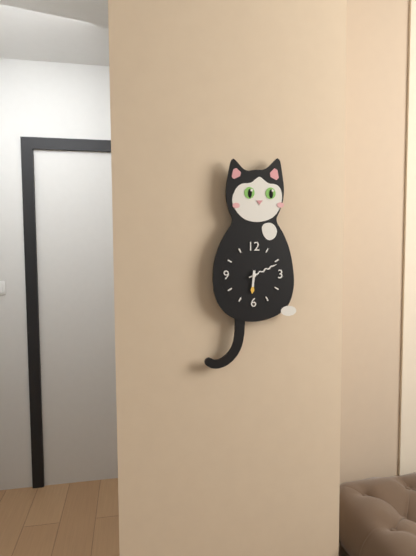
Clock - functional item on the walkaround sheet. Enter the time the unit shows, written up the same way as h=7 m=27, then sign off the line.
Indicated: h=6 m=11
